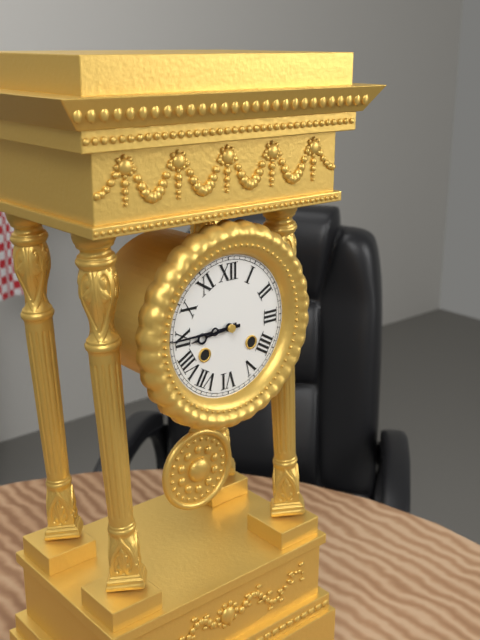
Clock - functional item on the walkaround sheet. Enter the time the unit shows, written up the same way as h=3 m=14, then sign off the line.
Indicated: h=8 m=45
